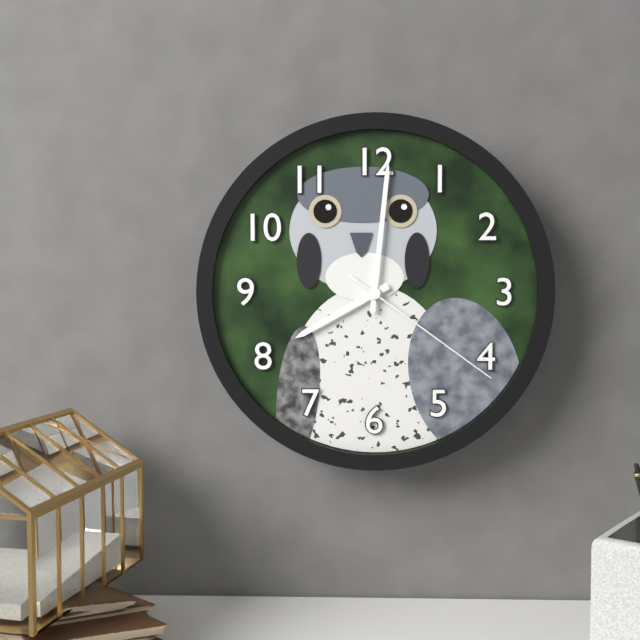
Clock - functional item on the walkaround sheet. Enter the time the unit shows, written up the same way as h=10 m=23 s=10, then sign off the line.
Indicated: h=8 m=1 s=21
